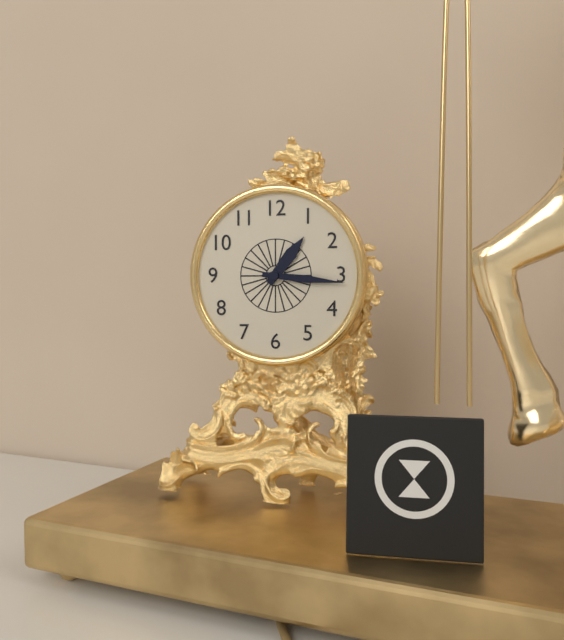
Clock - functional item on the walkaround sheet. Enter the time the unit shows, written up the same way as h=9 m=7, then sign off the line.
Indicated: h=1 m=16
